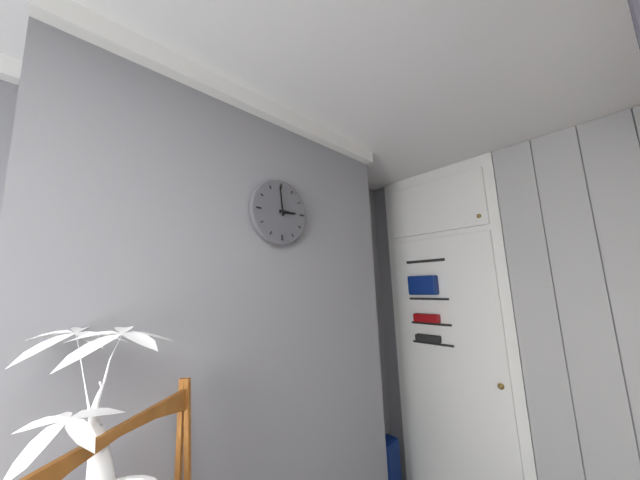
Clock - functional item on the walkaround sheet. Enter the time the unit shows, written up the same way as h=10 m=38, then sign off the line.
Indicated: h=2 m=59
